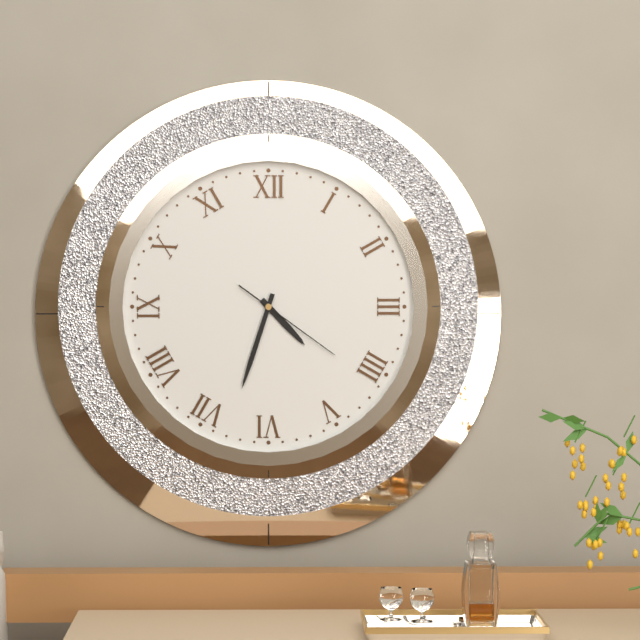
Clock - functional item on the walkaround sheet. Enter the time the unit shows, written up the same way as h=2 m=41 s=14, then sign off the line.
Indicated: h=4 m=33 s=21
